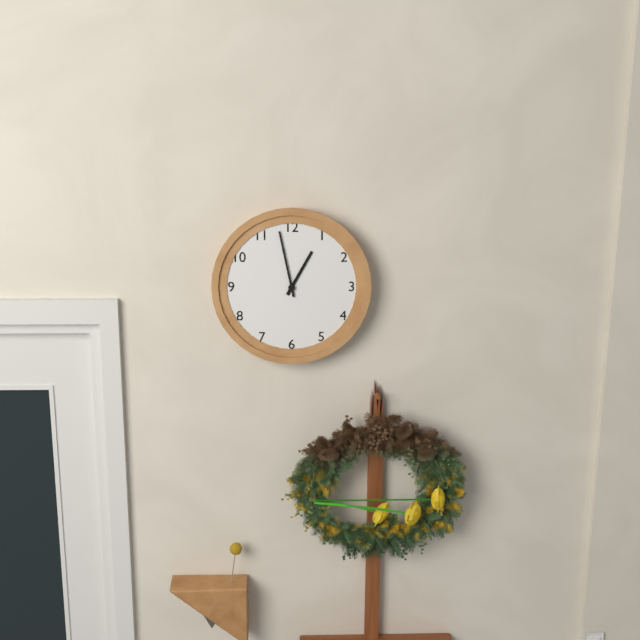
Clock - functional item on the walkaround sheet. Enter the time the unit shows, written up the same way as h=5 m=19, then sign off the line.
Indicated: h=12 m=58
